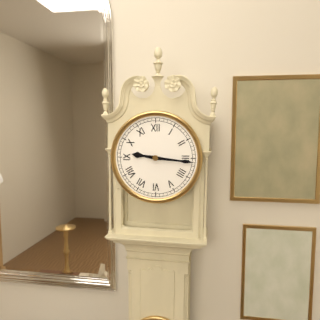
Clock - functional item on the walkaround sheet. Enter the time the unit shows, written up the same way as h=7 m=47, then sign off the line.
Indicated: h=9 m=16
